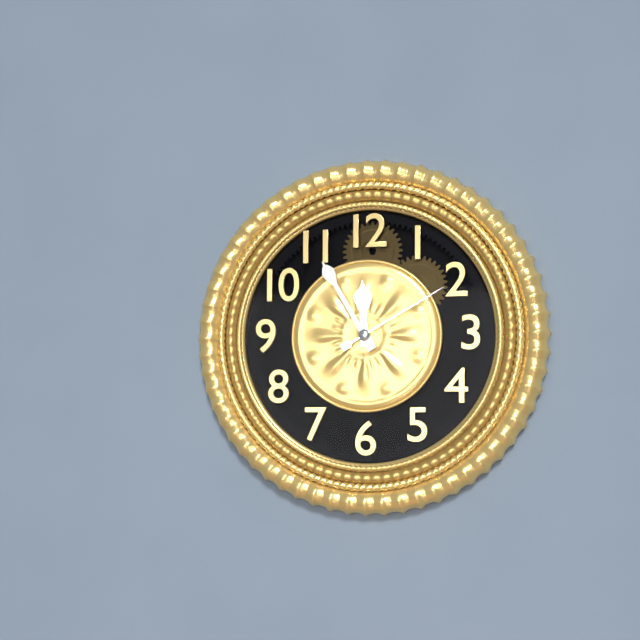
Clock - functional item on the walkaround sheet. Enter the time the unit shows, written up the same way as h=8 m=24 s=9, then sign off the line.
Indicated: h=11 m=55 s=10
